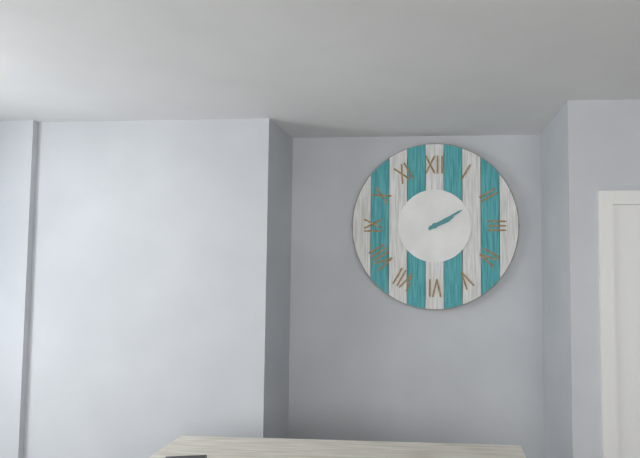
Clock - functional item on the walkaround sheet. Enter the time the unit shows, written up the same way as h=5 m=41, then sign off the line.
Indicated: h=2 m=10
